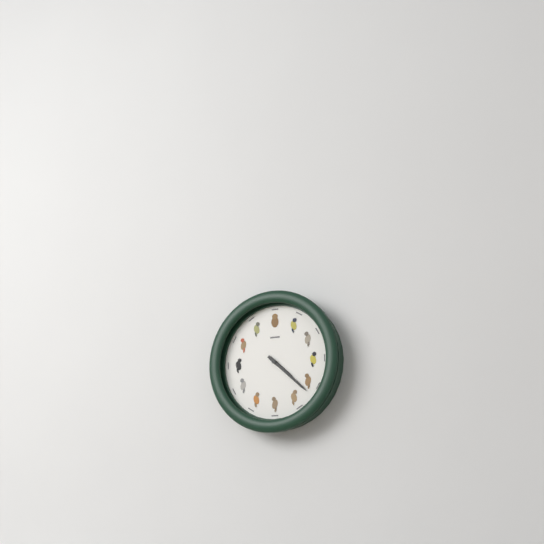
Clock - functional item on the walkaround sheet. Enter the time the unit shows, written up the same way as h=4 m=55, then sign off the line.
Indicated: h=4 m=22
